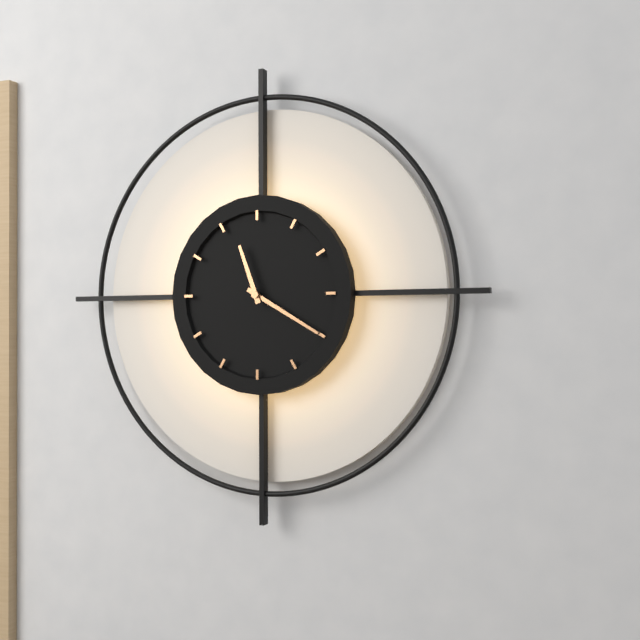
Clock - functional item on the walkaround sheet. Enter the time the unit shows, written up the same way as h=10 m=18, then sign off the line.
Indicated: h=11 m=20
